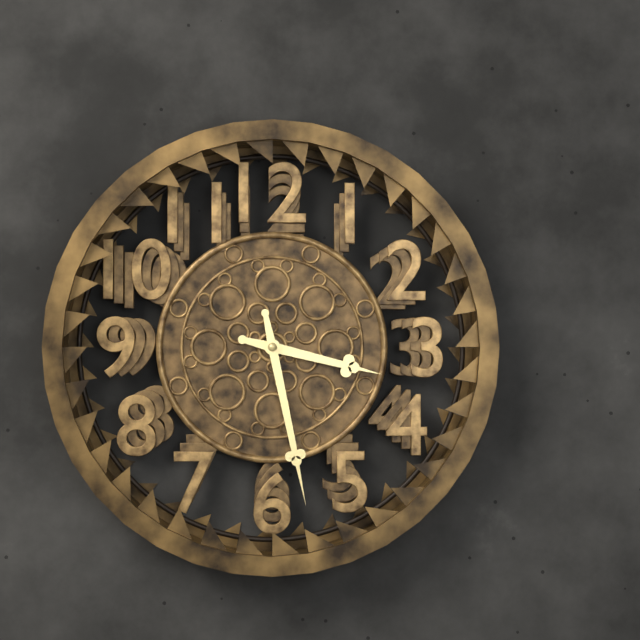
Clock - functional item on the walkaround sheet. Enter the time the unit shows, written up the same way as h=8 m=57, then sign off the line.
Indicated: h=3 m=28
